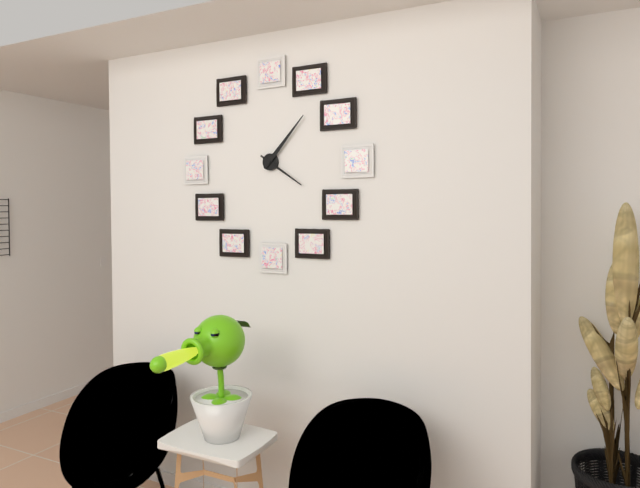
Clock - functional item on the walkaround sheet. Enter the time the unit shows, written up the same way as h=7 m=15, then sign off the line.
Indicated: h=4 m=7
